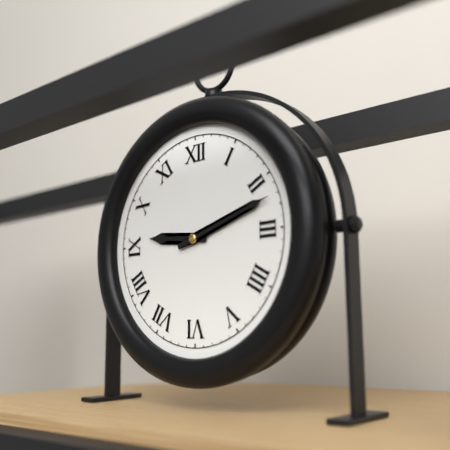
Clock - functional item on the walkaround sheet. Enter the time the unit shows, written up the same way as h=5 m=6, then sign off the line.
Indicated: h=9 m=12
